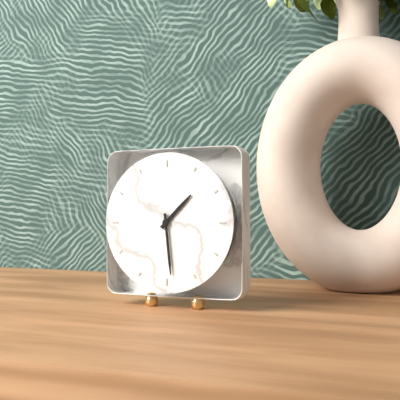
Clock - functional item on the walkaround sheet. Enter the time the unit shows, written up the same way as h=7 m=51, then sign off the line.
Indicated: h=1 m=29
